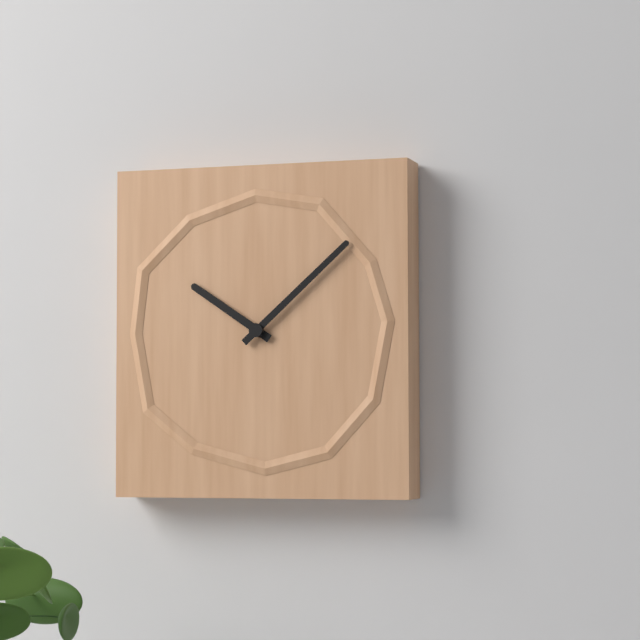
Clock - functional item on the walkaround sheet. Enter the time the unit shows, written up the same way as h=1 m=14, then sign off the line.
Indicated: h=10 m=8
